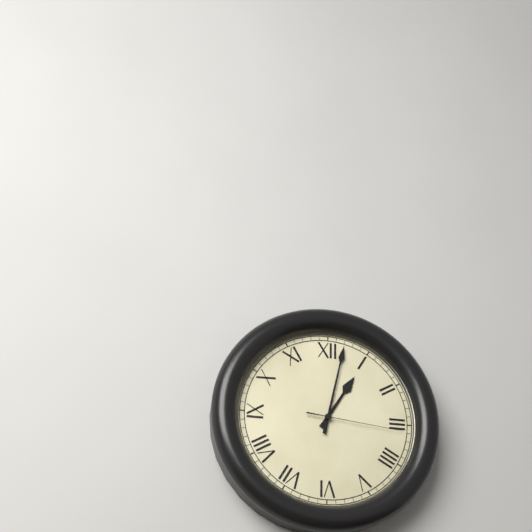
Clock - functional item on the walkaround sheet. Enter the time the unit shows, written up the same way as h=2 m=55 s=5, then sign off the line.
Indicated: h=1 m=2 s=16
